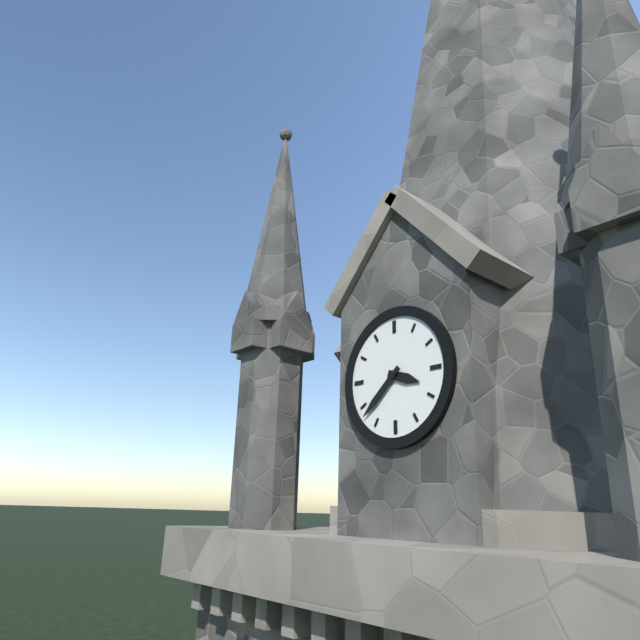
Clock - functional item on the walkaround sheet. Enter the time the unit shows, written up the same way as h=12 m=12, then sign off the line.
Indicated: h=3 m=38
